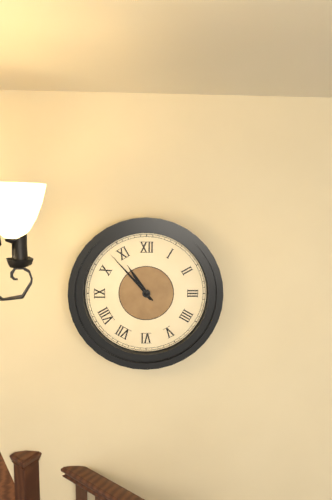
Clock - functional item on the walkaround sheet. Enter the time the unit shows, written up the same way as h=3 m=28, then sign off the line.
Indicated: h=10 m=53
